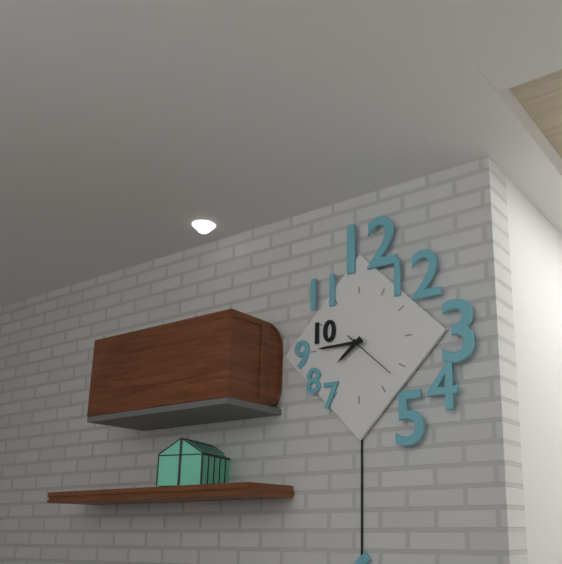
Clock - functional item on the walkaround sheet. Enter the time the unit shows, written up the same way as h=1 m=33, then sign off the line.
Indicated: h=7 m=45
